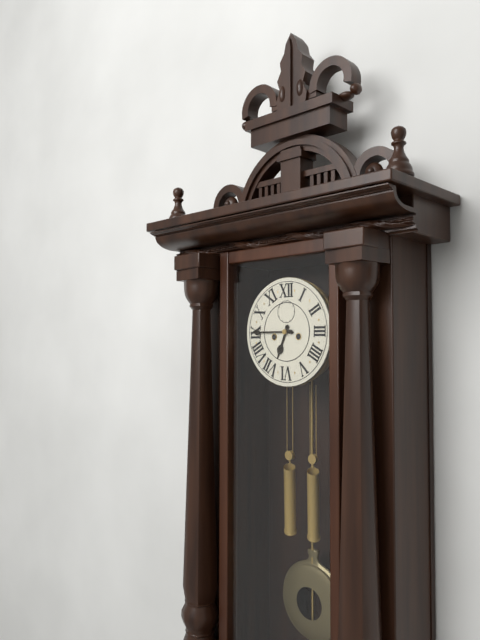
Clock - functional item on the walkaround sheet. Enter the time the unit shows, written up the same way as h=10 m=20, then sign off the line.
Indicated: h=6 m=45
